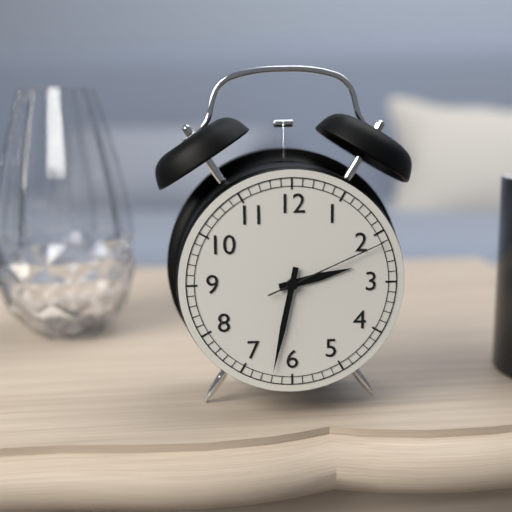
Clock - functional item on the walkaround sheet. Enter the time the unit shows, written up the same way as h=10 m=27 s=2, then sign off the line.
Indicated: h=2 m=32 s=11
